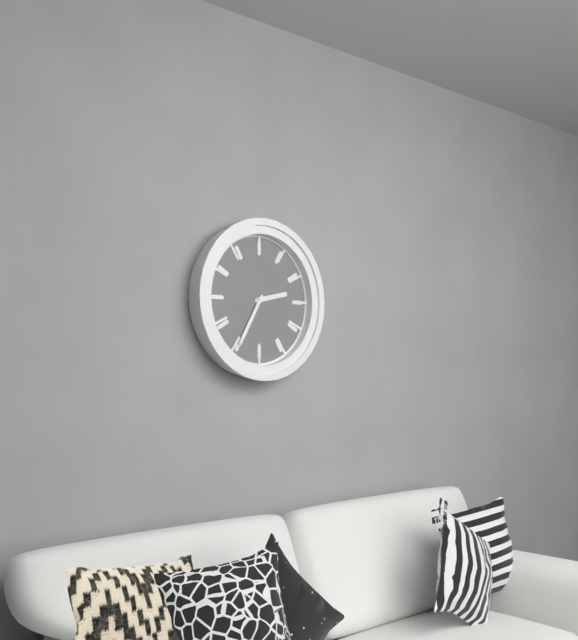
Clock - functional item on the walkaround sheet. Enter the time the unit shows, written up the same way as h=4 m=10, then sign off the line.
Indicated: h=2 m=35
